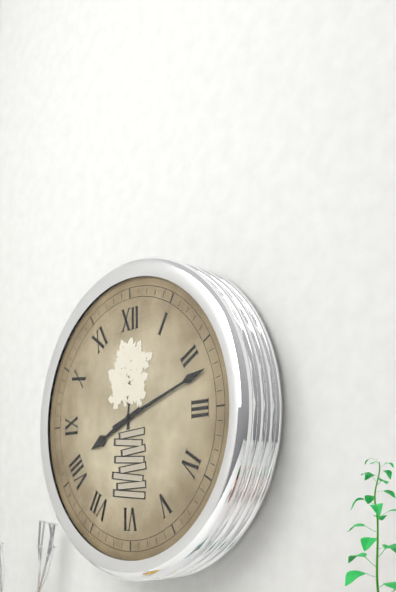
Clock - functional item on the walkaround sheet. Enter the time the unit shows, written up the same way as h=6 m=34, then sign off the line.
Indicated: h=8 m=12
